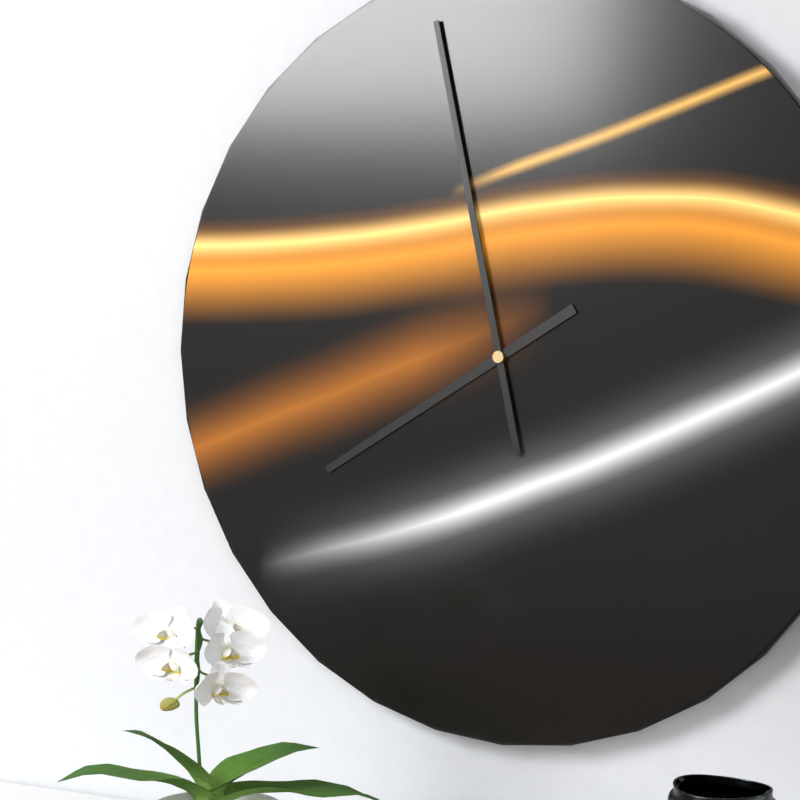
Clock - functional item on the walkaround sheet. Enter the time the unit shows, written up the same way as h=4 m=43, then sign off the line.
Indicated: h=7 m=58
